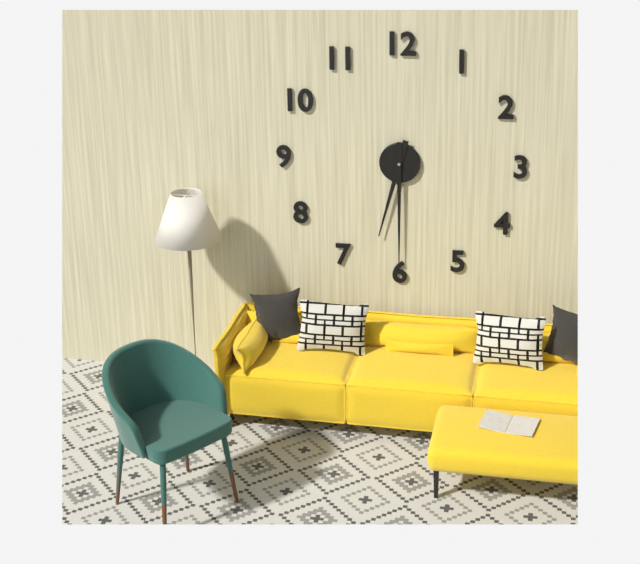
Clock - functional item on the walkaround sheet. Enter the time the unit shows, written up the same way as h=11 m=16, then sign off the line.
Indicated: h=6 m=30
